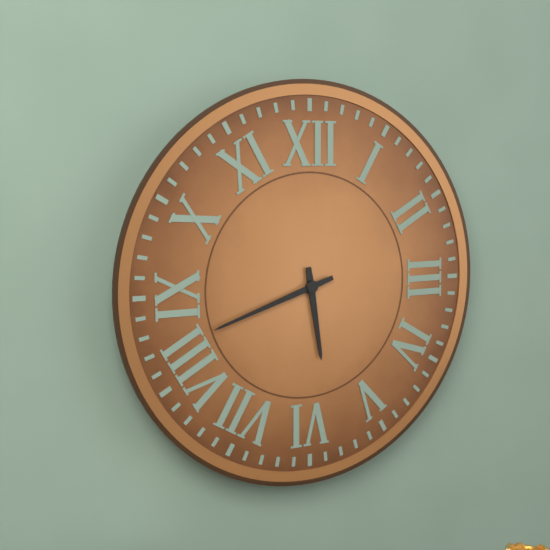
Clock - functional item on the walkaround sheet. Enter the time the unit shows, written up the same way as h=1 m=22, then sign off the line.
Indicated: h=5 m=42
